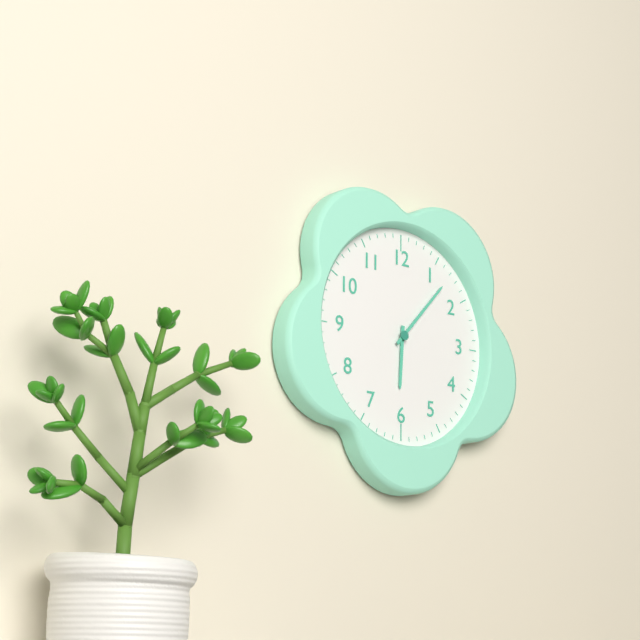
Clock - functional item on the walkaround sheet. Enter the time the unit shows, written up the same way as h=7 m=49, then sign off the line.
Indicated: h=6 m=7
